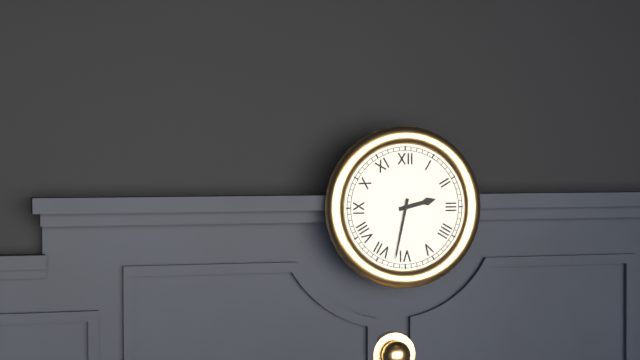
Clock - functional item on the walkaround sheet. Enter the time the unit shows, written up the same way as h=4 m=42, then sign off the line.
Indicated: h=2 m=32
